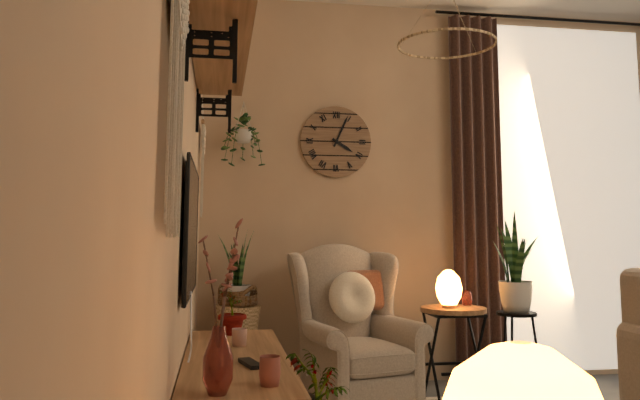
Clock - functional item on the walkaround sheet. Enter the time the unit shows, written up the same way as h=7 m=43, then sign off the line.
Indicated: h=4 m=4
